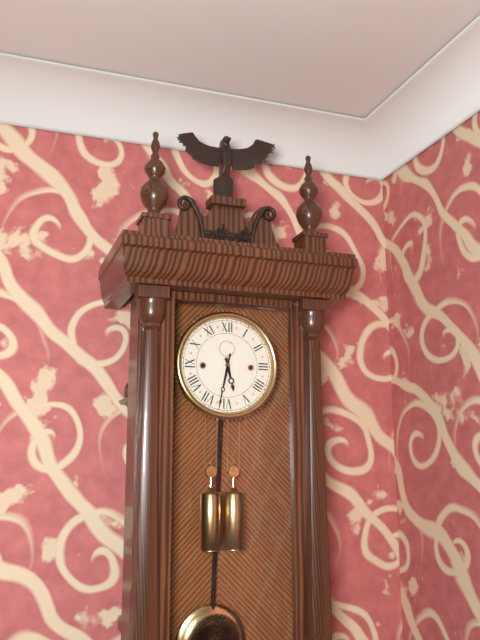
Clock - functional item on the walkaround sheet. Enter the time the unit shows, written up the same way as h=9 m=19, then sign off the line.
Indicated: h=5 m=32
